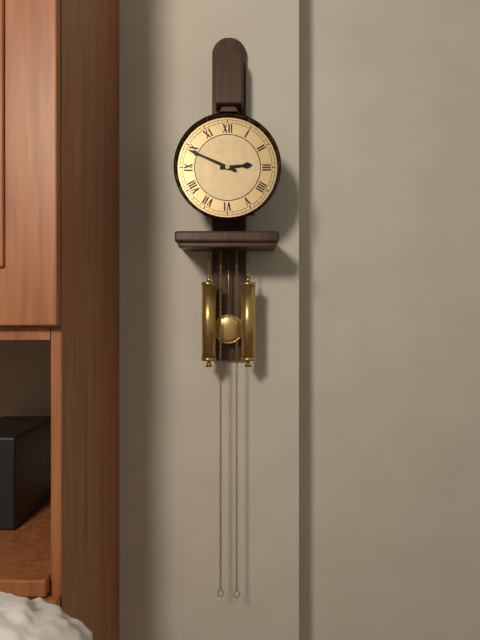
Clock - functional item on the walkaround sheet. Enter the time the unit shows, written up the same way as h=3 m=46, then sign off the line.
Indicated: h=2 m=49
